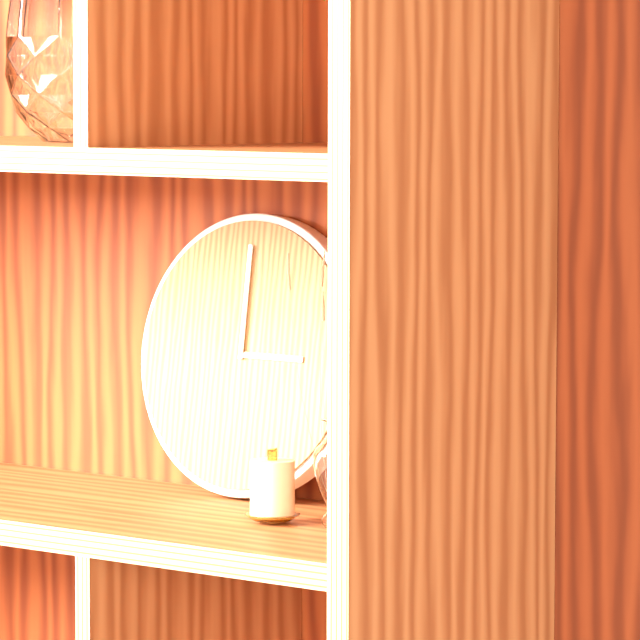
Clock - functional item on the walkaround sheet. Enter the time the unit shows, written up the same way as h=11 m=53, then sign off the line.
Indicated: h=3 m=0
